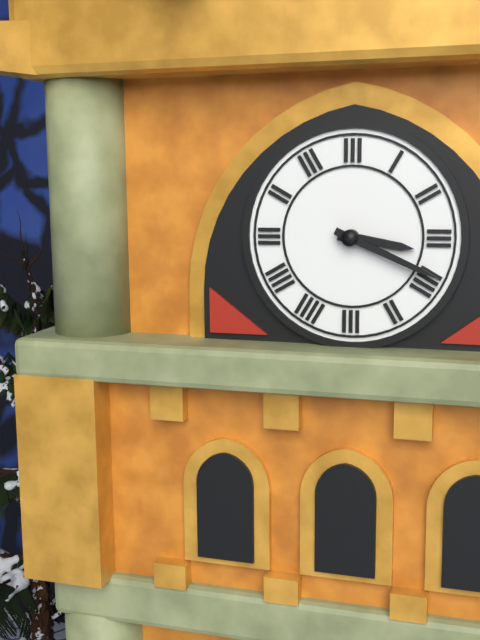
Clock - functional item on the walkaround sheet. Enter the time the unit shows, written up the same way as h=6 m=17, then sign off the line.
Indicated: h=3 m=19
